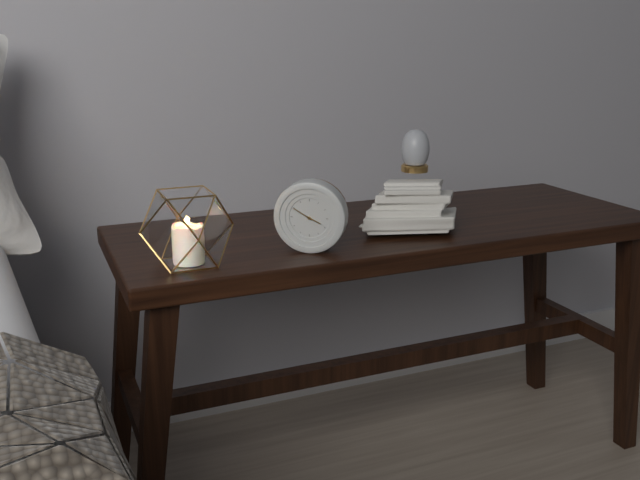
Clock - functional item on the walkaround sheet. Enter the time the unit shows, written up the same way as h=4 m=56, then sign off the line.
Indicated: h=3 m=50
